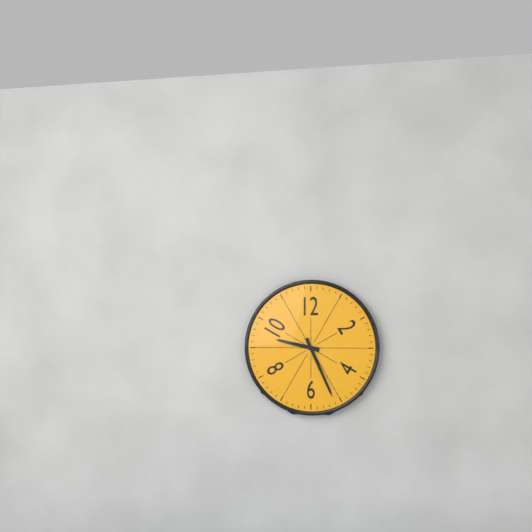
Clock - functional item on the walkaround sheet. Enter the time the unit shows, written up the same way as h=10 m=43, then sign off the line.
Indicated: h=9 m=26
